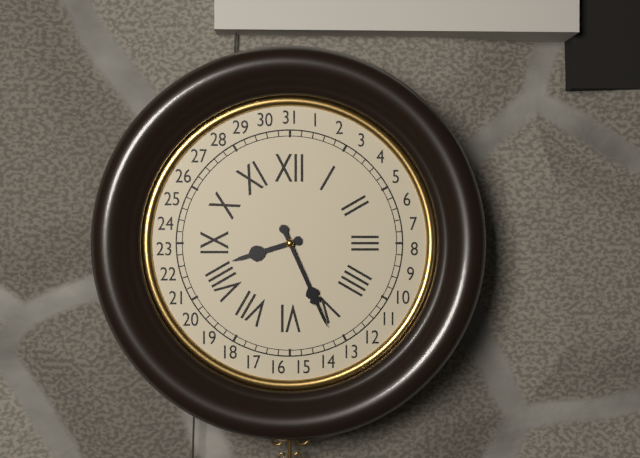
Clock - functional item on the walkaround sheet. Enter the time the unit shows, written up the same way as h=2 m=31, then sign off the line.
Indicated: h=8 m=26
